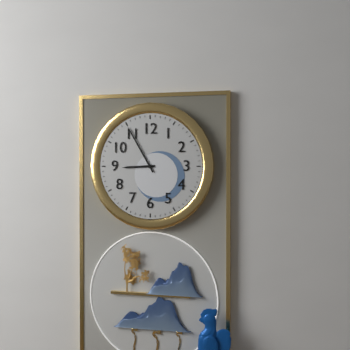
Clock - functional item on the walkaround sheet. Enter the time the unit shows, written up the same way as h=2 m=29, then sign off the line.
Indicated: h=8 m=55
